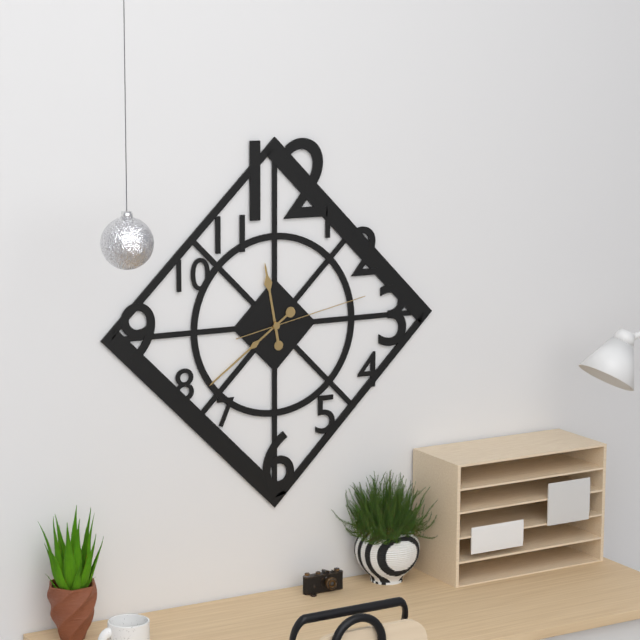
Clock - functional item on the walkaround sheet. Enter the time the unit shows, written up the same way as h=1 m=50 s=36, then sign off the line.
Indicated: h=11 m=39 s=13
